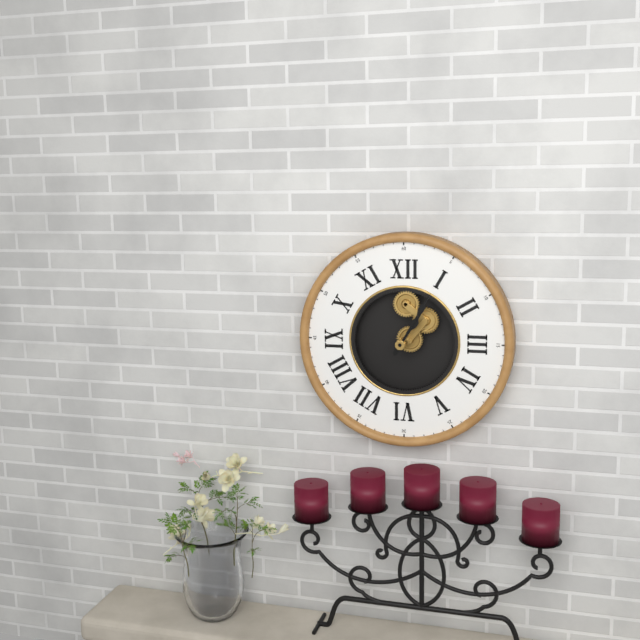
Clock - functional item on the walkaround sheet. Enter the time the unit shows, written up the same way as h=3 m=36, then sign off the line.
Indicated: h=1 m=5
